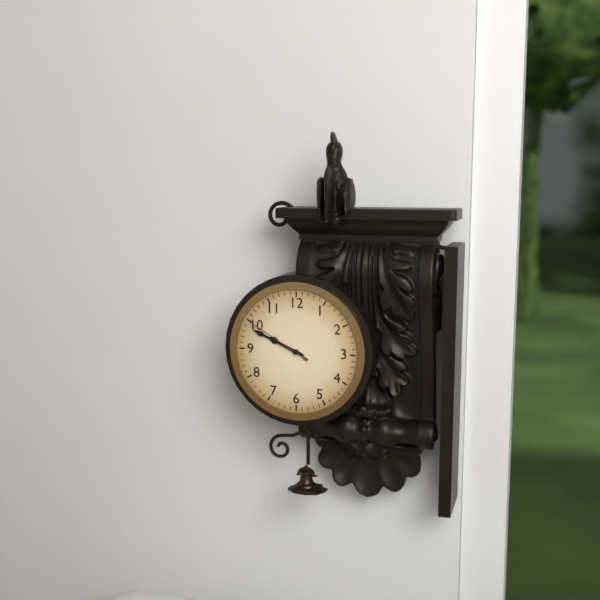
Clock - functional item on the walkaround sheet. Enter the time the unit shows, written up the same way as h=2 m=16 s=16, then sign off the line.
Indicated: h=9 m=49 s=50
